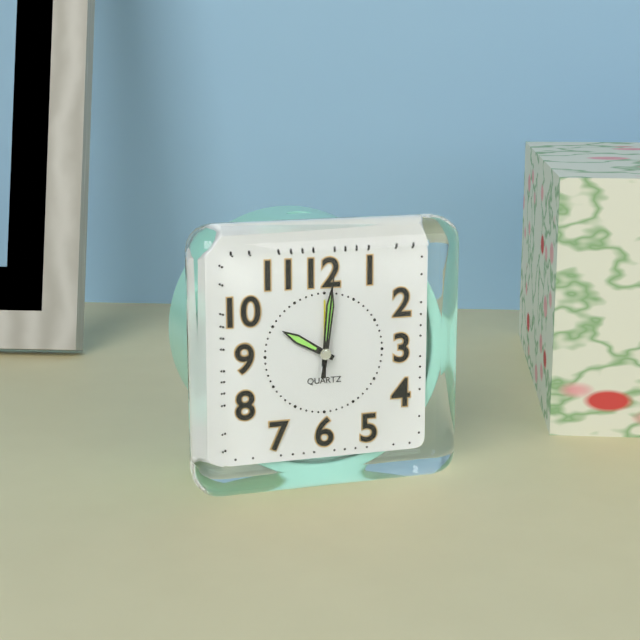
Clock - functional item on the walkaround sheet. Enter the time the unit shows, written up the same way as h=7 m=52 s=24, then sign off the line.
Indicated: h=10 m=1 s=1
